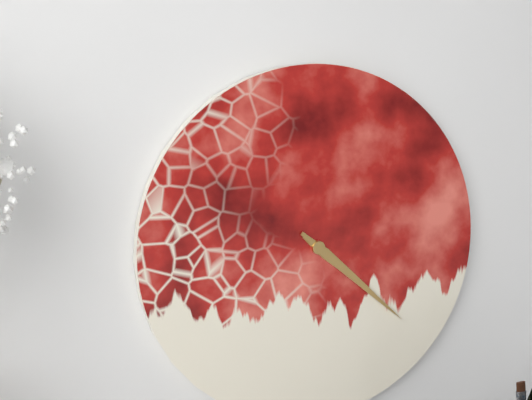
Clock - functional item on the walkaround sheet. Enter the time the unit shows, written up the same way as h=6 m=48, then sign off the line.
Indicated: h=4 m=22
